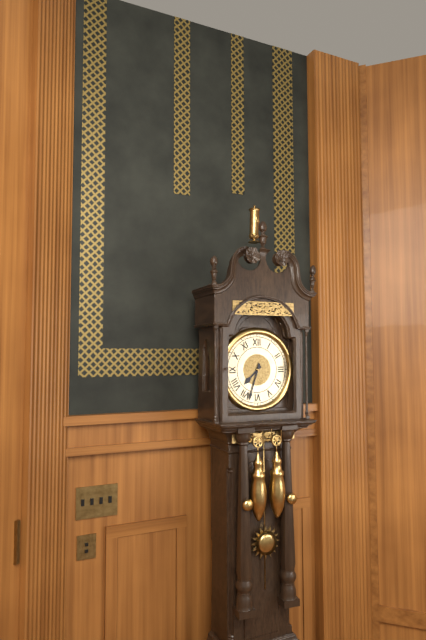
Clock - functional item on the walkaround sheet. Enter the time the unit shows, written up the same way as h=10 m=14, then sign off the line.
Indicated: h=7 m=33
